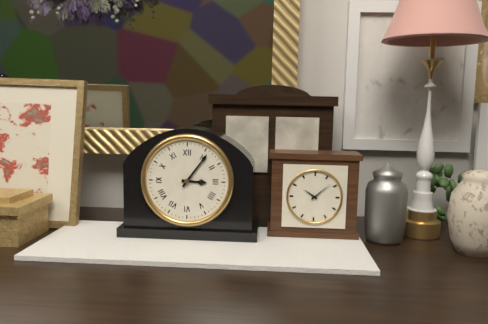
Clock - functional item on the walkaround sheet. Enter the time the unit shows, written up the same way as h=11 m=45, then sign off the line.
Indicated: h=3 m=6
